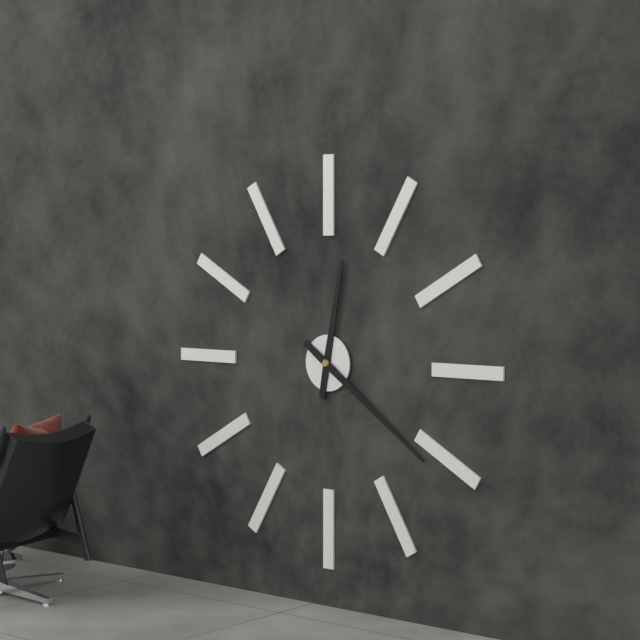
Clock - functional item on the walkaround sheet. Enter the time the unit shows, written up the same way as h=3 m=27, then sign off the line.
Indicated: h=12 m=21
